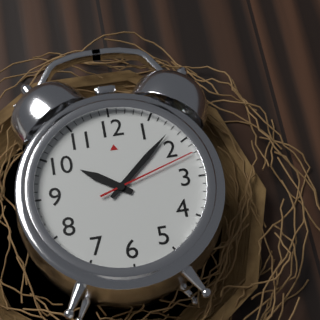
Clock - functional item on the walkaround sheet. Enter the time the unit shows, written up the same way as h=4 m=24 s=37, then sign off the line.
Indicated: h=10 m=8 s=12
